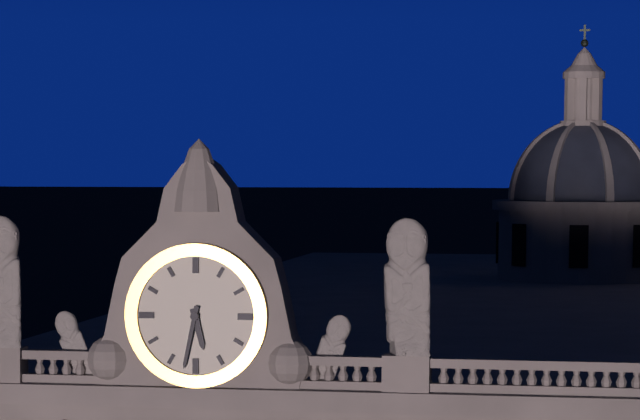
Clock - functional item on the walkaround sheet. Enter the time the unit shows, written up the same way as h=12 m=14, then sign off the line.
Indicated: h=5 m=32
